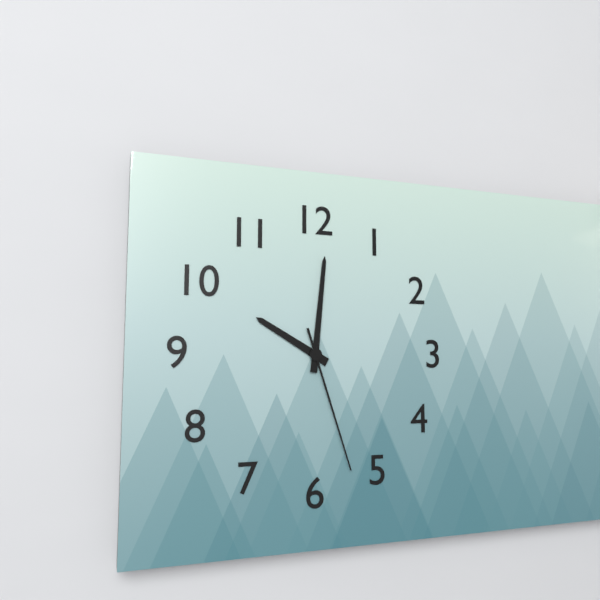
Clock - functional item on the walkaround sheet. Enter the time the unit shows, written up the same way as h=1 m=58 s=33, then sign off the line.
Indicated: h=10 m=1 s=27
